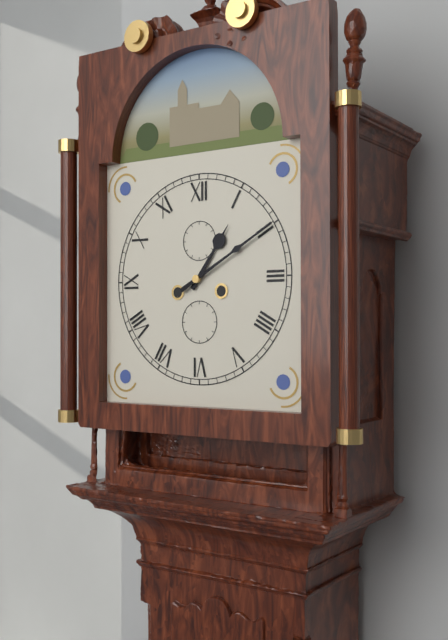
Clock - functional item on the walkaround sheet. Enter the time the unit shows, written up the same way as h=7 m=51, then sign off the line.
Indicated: h=1 m=10
